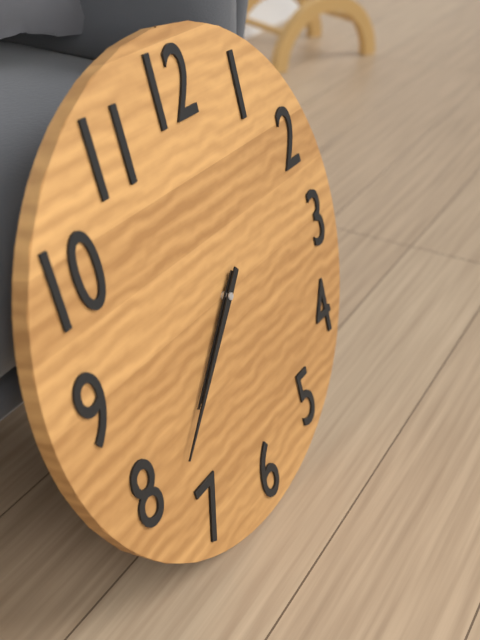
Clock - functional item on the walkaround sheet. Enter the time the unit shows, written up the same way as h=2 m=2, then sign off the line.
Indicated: h=7 m=38
